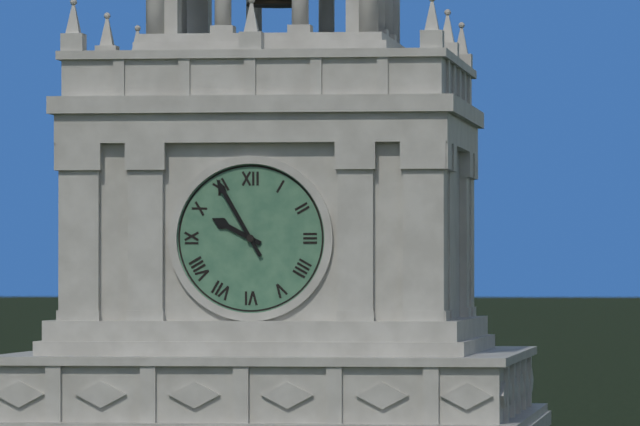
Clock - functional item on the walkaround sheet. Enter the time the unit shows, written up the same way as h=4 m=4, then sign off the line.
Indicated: h=9 m=55
